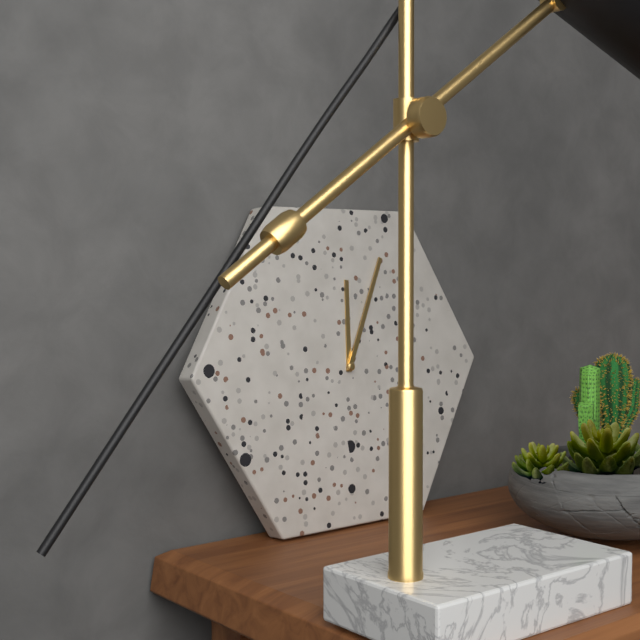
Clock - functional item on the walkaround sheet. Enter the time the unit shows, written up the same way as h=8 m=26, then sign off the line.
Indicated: h=12 m=4
